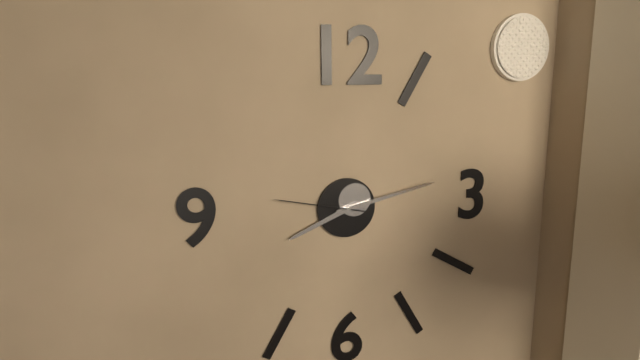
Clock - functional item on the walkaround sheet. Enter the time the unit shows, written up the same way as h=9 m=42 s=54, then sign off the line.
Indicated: h=8 m=13 s=47
